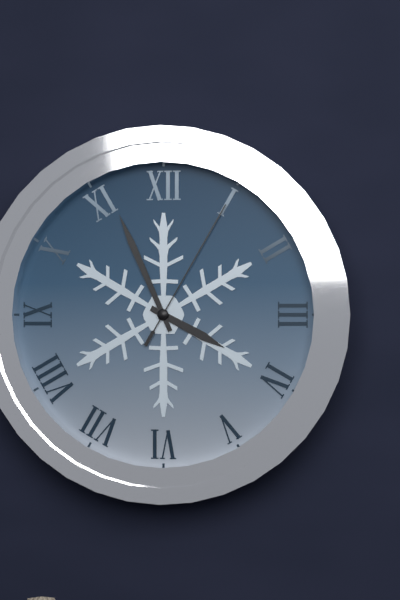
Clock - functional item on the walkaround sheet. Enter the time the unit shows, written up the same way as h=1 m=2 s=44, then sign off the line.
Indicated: h=3 m=56 s=5
